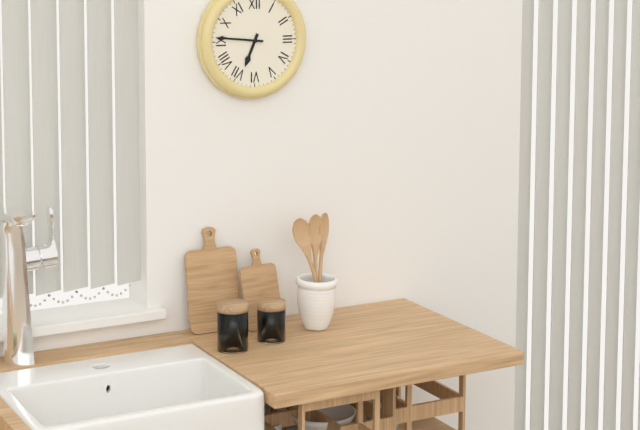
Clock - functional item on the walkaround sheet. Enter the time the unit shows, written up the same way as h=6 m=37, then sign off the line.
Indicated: h=6 m=46
